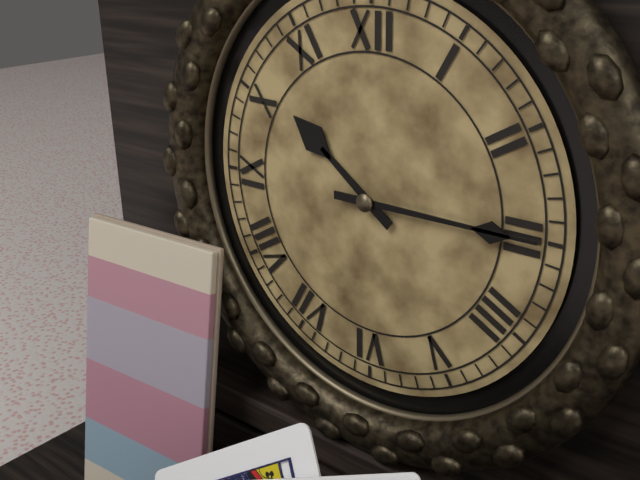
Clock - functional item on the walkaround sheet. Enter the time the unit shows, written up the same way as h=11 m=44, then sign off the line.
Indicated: h=10 m=15
